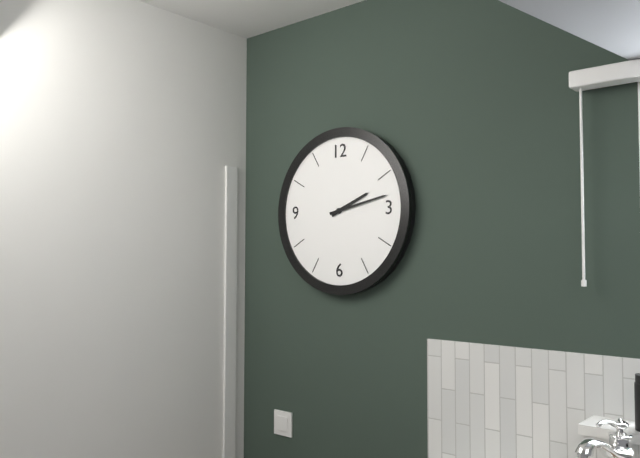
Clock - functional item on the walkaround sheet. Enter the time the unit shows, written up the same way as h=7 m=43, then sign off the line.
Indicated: h=2 m=13
